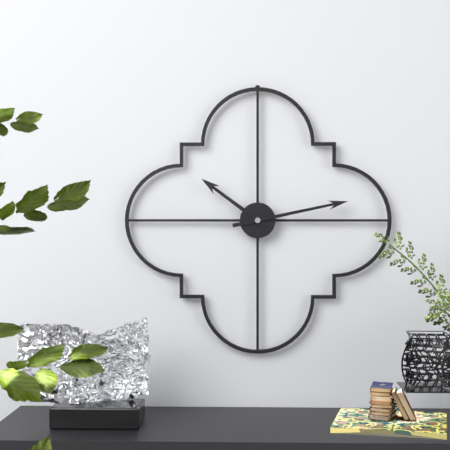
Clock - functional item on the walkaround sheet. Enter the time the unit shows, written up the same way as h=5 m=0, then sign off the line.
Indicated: h=10 m=13
